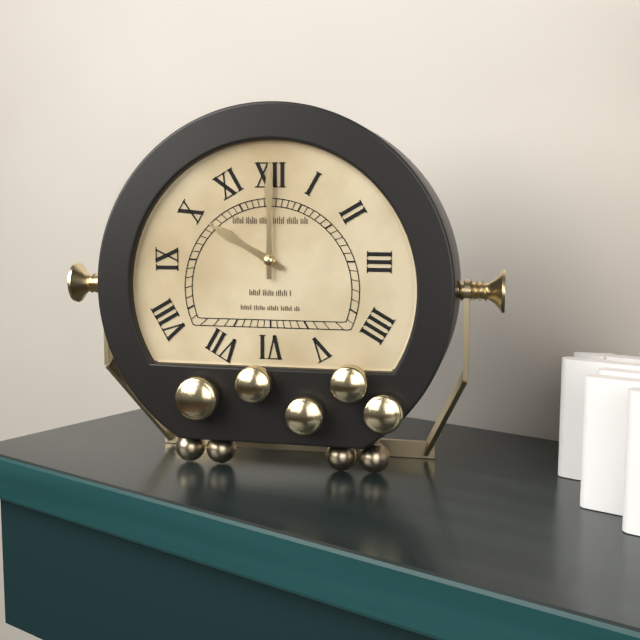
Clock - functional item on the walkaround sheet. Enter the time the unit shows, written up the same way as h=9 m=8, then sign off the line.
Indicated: h=10 m=0
